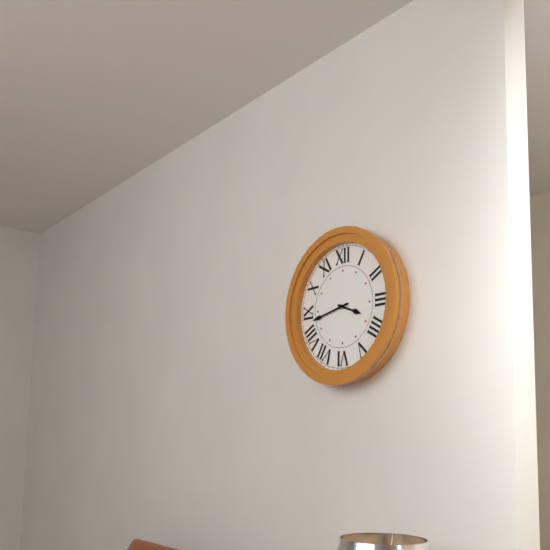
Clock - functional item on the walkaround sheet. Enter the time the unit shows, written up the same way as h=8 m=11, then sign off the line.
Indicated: h=3 m=43
